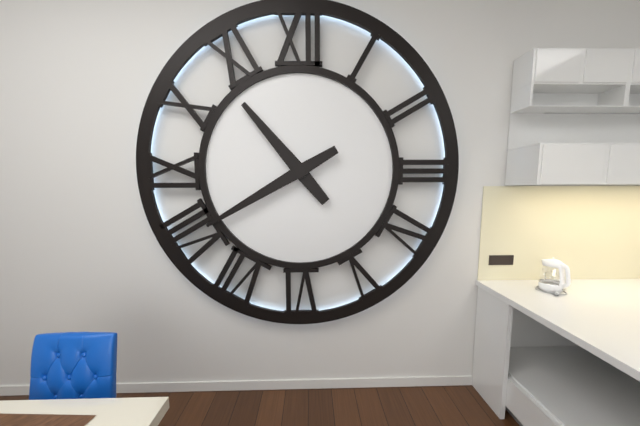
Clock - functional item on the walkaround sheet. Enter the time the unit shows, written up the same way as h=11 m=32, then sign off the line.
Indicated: h=10 m=40
